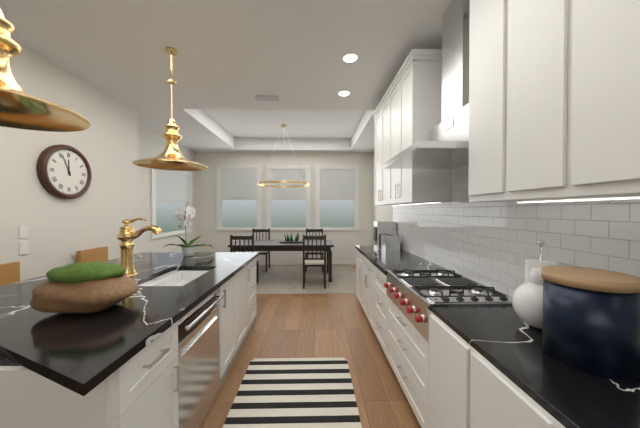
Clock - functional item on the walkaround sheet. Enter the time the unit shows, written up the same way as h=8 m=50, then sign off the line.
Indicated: h=11 m=56
